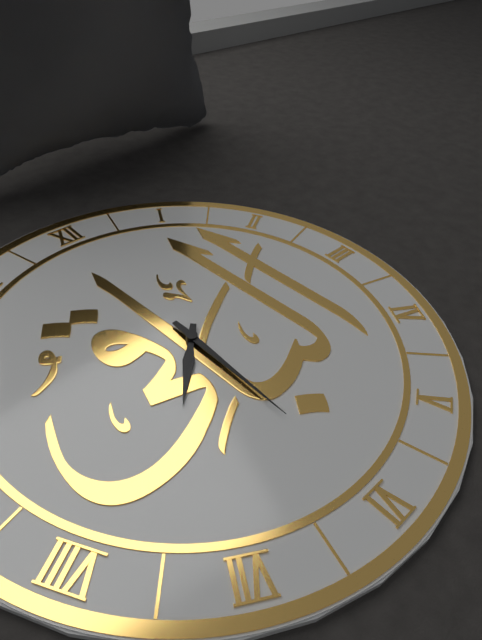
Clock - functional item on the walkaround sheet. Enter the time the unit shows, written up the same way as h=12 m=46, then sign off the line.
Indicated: h=7 m=30
